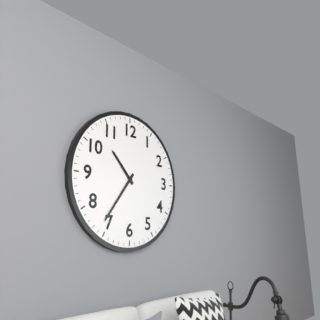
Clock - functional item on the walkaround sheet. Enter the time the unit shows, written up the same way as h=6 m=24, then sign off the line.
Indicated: h=10 m=36
